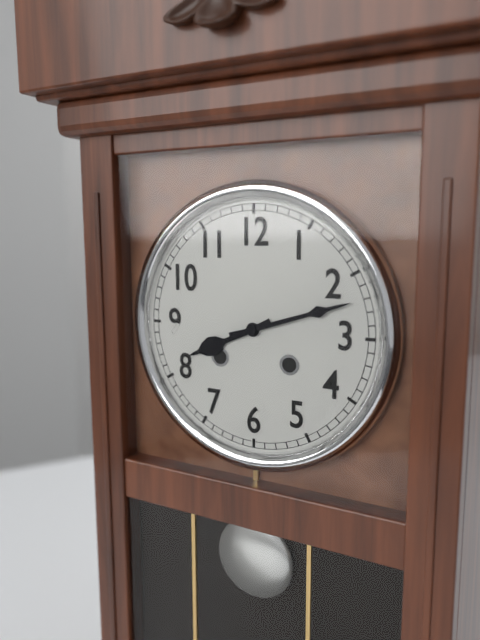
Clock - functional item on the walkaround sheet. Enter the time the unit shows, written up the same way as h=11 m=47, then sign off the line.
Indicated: h=8 m=12
